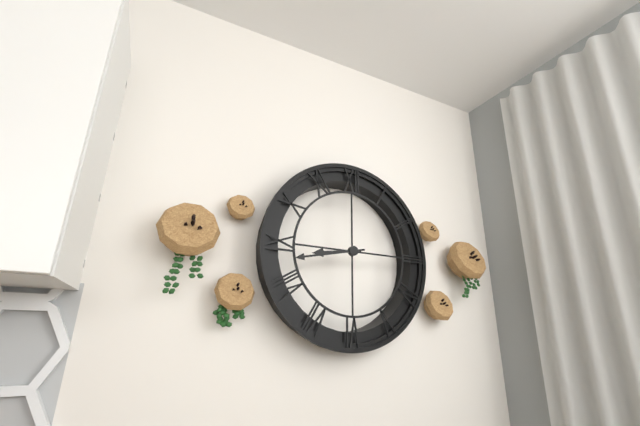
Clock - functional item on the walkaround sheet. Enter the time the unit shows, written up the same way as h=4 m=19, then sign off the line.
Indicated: h=8 m=43
